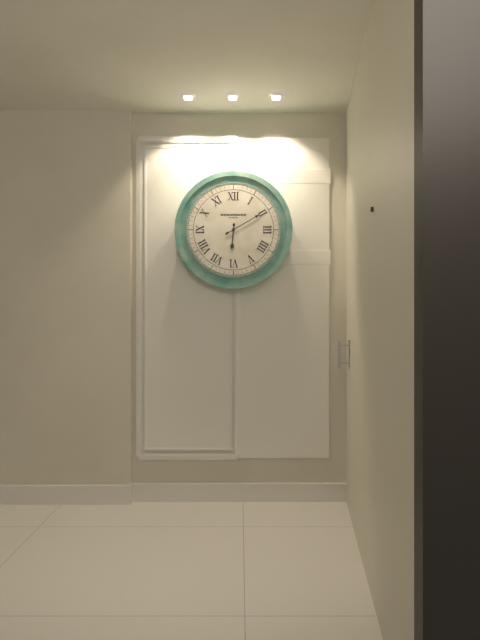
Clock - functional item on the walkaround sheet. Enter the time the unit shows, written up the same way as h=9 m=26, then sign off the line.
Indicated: h=6 m=10
